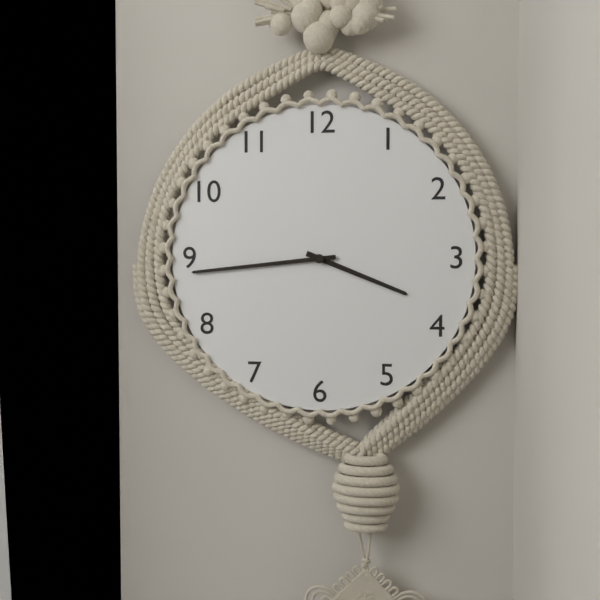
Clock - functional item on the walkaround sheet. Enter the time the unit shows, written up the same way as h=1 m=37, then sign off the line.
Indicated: h=3 m=44
